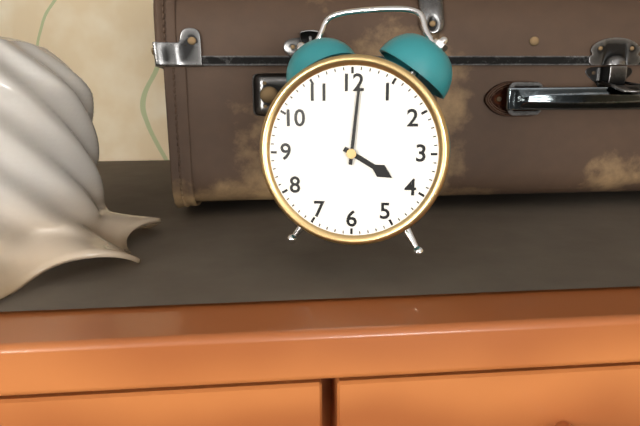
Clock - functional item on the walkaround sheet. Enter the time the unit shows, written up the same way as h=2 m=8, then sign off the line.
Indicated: h=4 m=1
